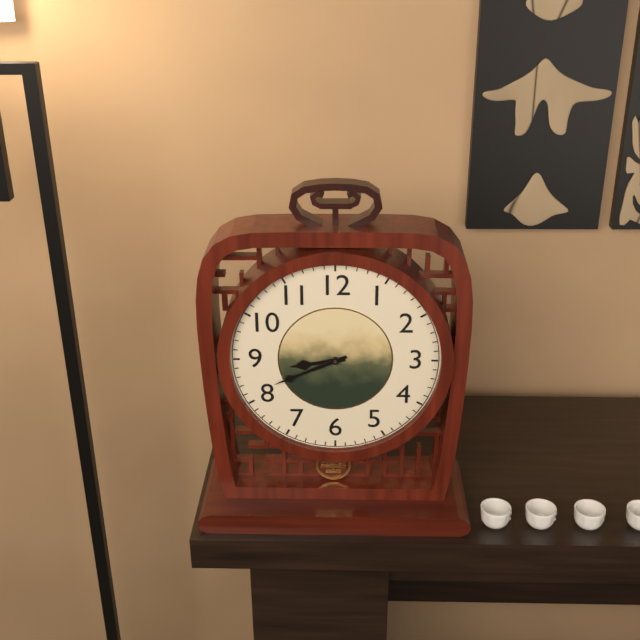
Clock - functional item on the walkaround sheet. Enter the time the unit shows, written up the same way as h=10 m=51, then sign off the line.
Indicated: h=8 m=41
